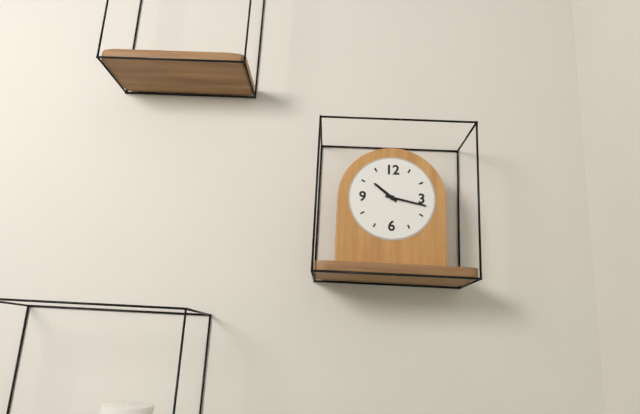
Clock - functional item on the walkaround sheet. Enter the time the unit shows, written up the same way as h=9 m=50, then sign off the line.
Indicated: h=10 m=17
